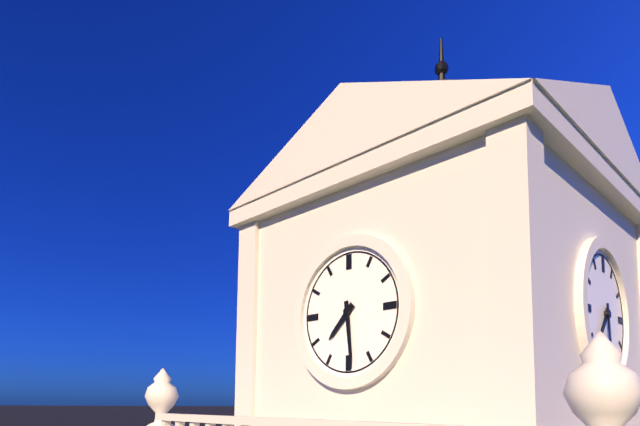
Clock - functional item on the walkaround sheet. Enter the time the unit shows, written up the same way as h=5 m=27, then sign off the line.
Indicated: h=7 m=29
